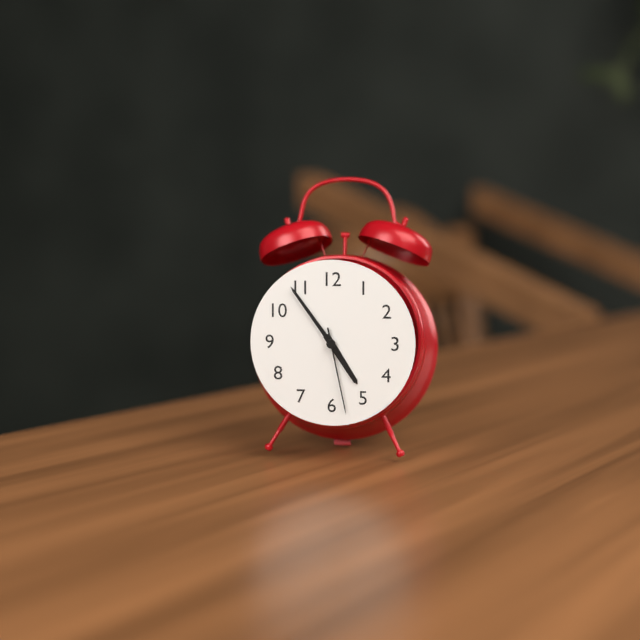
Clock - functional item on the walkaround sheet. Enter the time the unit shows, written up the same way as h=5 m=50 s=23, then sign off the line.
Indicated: h=4 m=54 s=28
